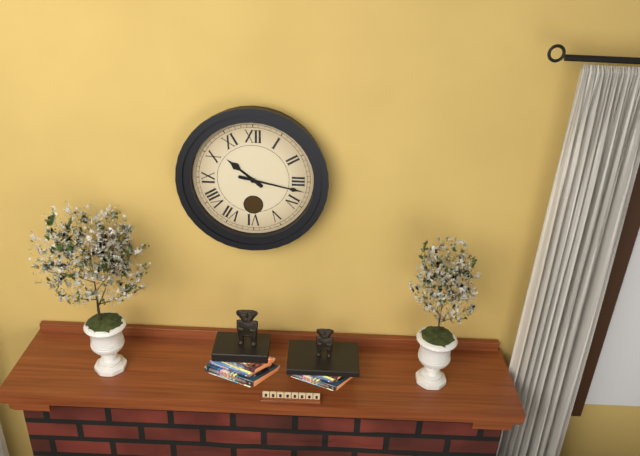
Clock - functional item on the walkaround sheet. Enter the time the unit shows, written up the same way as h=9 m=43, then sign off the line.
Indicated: h=10 m=17
